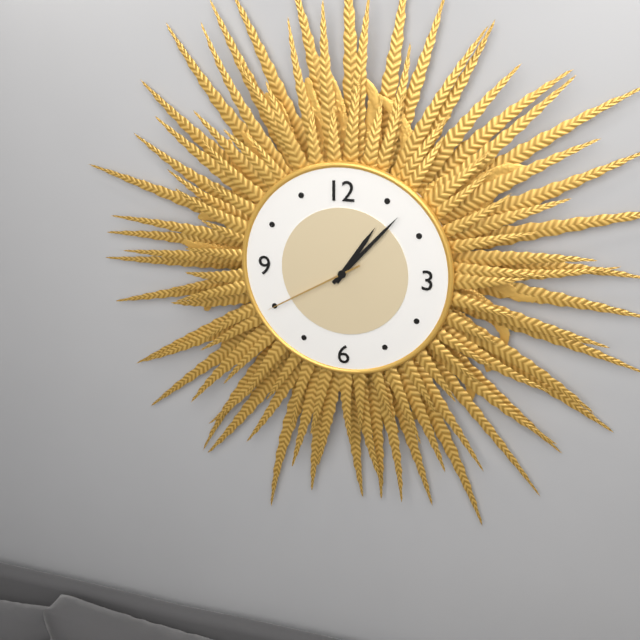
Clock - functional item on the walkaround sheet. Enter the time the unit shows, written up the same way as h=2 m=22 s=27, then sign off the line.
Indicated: h=1 m=7 s=40
